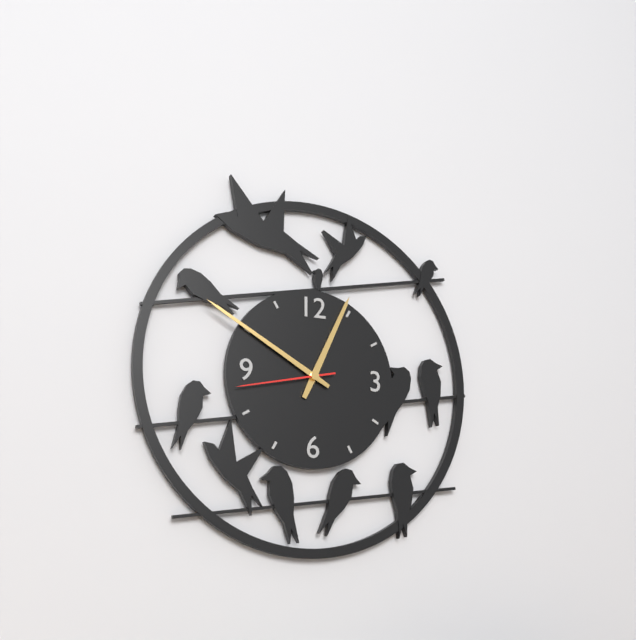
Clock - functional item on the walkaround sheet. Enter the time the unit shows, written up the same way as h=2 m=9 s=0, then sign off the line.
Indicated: h=12 m=50 s=43
